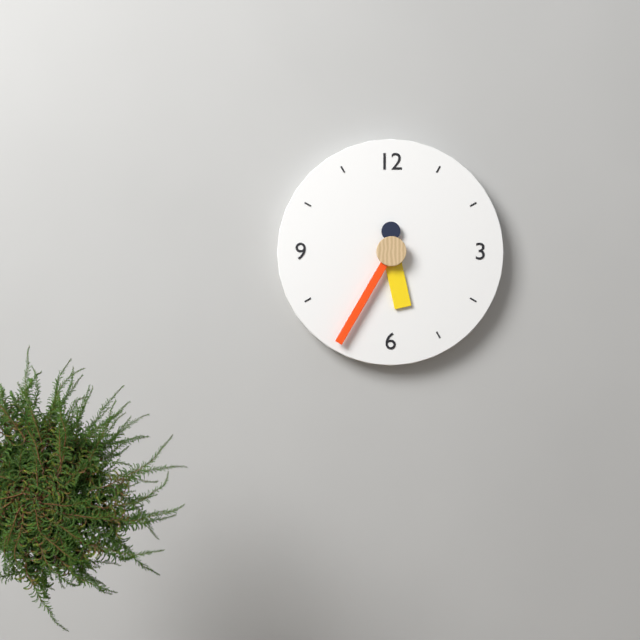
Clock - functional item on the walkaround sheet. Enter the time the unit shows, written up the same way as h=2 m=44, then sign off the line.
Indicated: h=5 m=35
